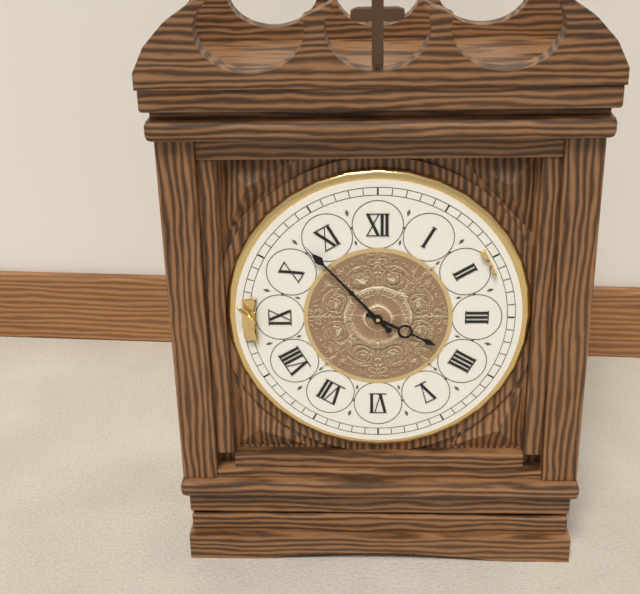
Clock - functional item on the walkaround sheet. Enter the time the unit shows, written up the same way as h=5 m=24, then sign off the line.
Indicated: h=3 m=53
